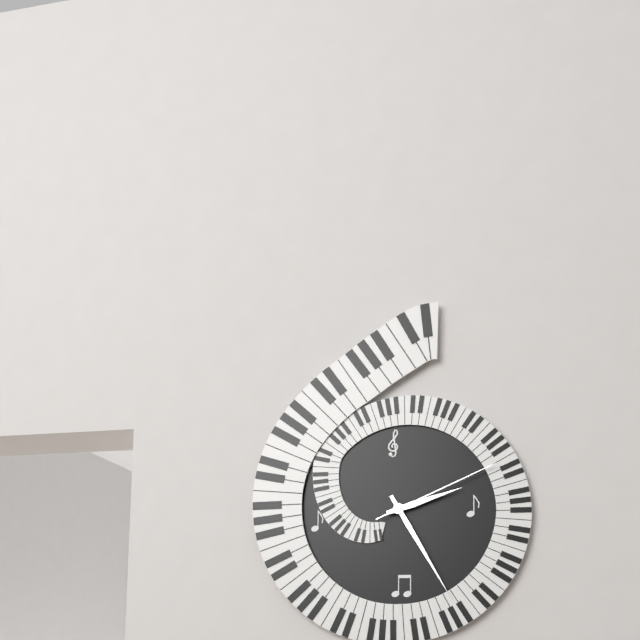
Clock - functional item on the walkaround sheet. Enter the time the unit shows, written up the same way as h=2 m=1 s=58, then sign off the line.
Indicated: h=2 m=25 s=11
